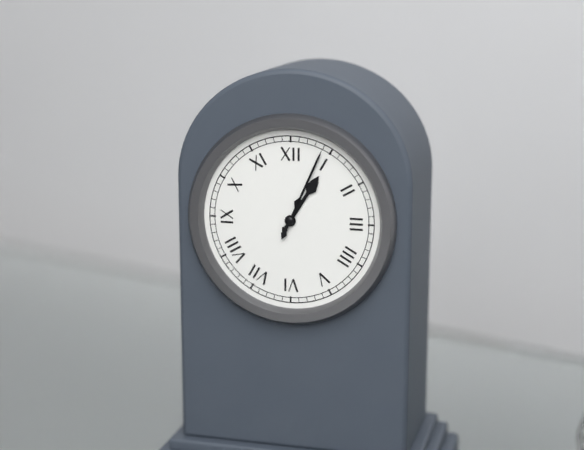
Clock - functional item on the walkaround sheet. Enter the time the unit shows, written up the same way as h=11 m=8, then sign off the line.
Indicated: h=1 m=4
